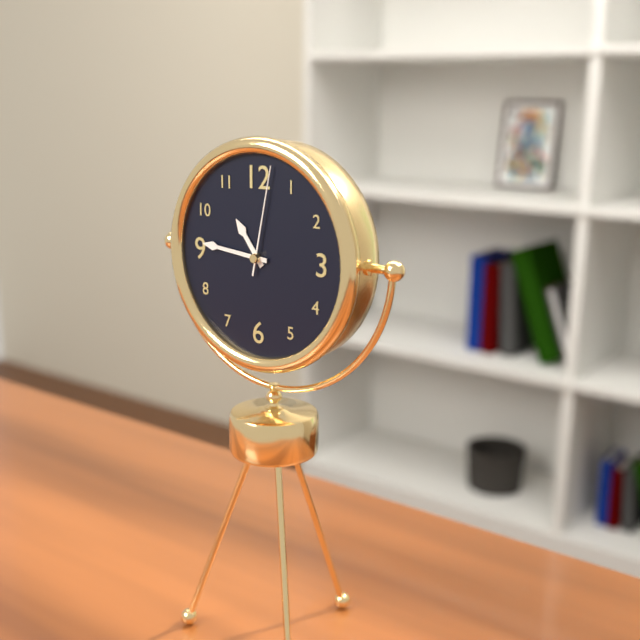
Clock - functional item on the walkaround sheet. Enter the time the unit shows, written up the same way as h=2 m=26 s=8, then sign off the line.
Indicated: h=10 m=46 s=2
